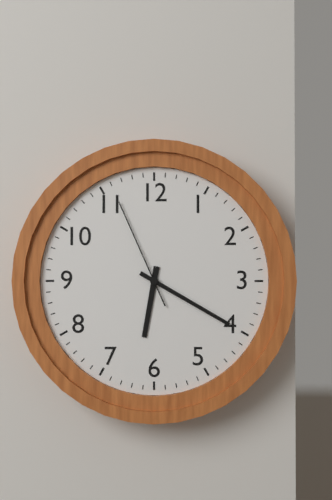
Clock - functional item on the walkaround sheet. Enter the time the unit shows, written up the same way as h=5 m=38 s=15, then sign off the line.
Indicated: h=6 m=20 s=56
